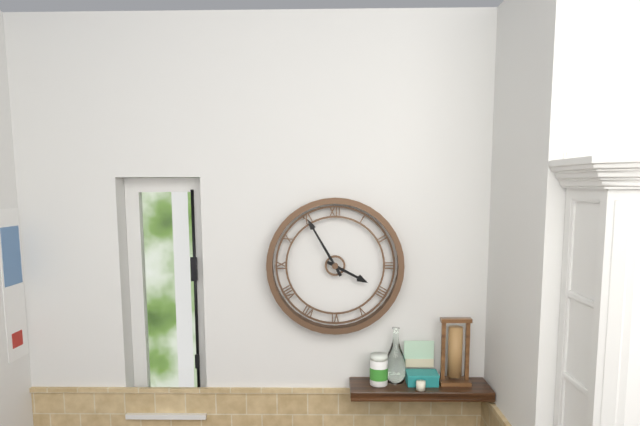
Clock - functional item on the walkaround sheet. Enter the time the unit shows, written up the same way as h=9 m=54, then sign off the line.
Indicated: h=3 m=55
